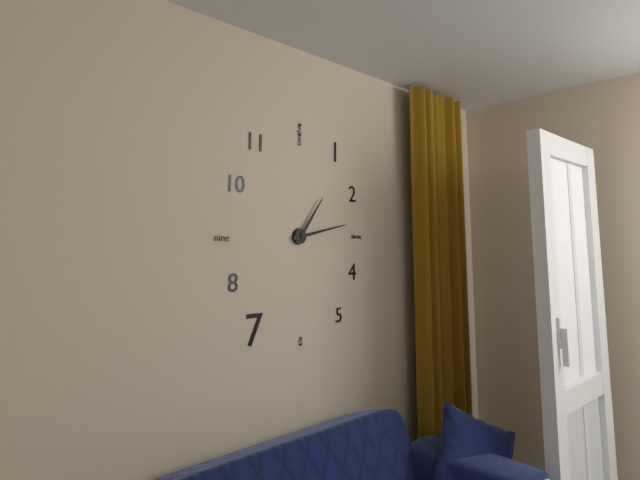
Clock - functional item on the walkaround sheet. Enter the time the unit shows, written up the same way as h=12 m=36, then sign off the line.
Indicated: h=1 m=13
